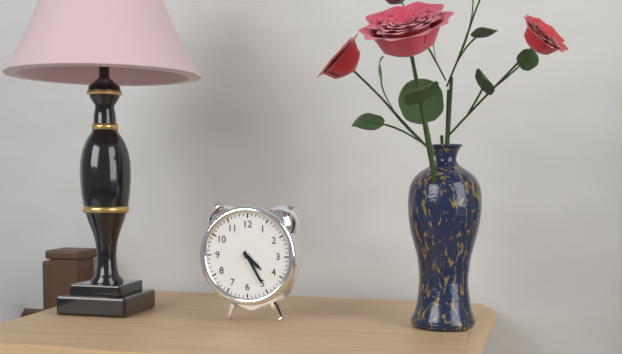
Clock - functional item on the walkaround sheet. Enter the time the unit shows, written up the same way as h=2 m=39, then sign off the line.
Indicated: h=4 m=25
